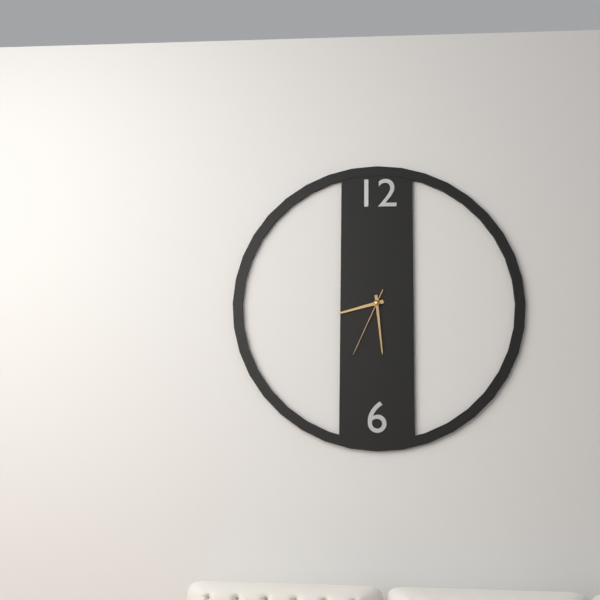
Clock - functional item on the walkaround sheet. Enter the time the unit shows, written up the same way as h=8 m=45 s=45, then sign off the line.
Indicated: h=8 m=29 s=34
